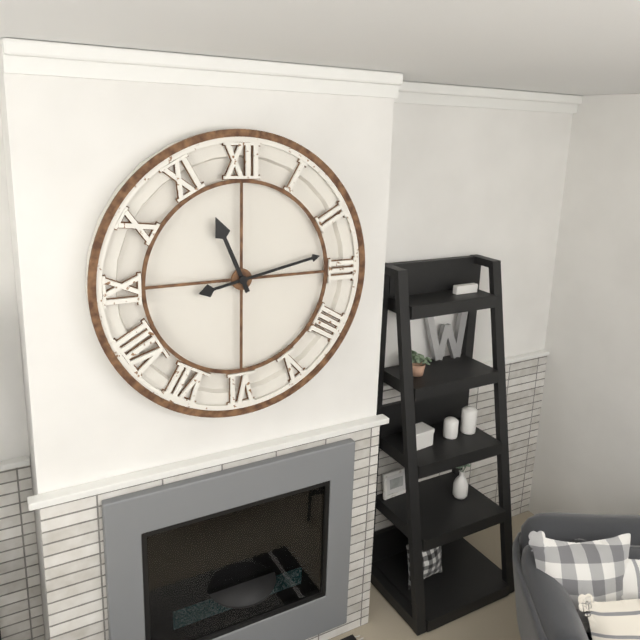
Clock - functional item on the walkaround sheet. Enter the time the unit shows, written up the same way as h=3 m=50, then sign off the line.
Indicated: h=11 m=13
